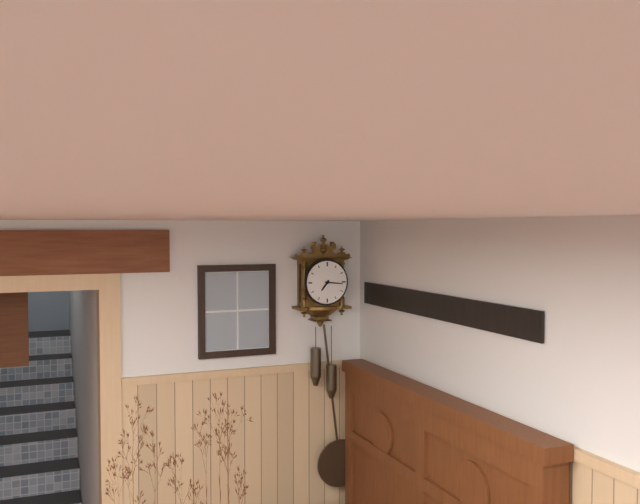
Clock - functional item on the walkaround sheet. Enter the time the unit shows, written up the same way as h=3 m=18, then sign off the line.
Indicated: h=7 m=16
